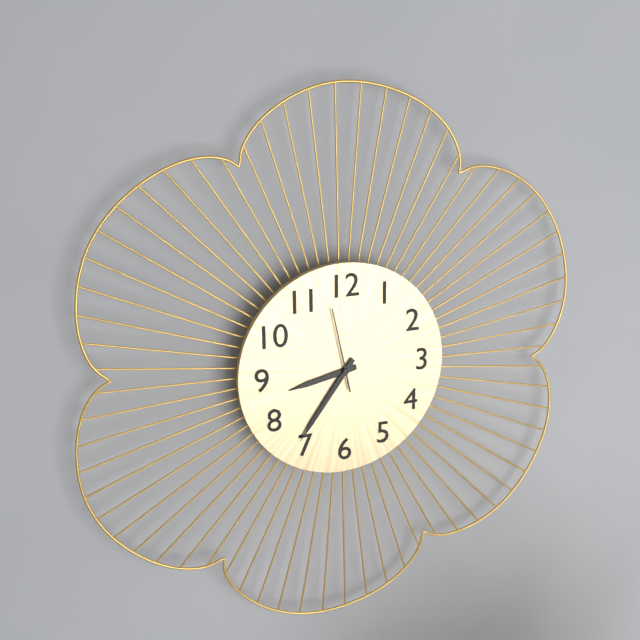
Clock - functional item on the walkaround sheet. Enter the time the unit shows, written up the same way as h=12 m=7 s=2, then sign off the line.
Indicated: h=8 m=36 s=58
